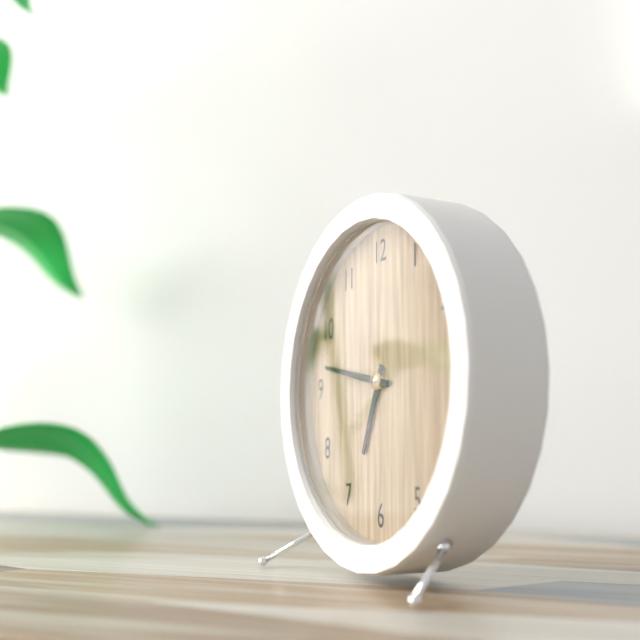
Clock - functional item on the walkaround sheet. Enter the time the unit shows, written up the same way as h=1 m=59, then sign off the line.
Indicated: h=6 m=47
